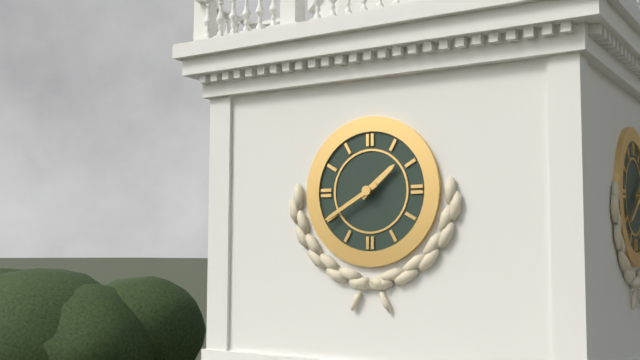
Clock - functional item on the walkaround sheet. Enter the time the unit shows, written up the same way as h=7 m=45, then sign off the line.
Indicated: h=1 m=40
